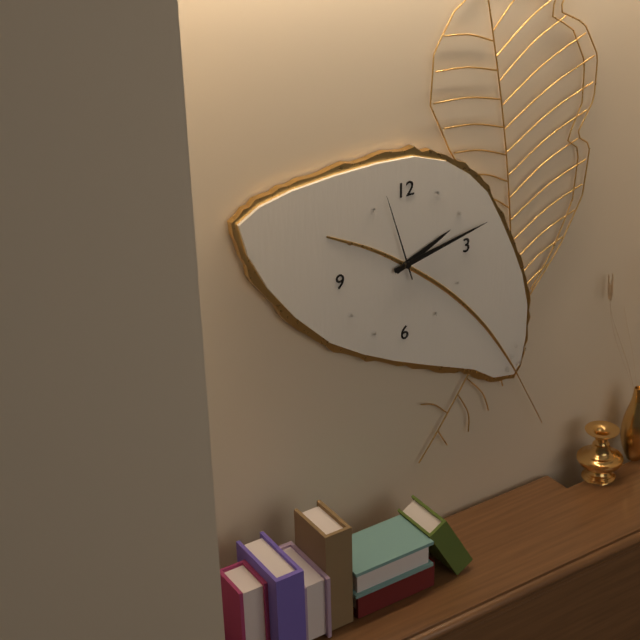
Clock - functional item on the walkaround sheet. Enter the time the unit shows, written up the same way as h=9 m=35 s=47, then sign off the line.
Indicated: h=2 m=13 s=57
